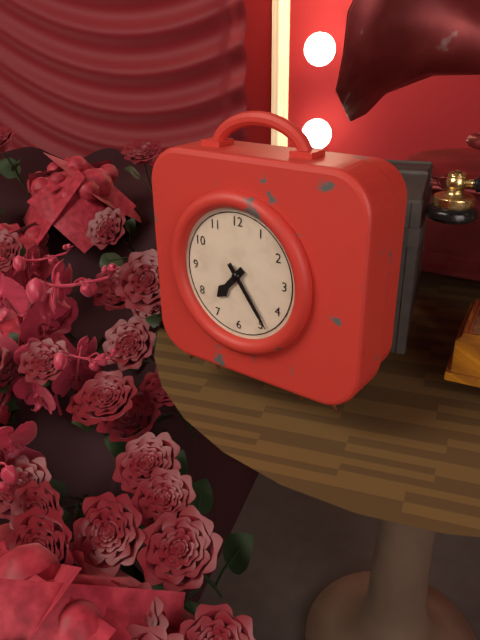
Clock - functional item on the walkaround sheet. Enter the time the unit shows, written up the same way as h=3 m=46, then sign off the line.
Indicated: h=7 m=24
